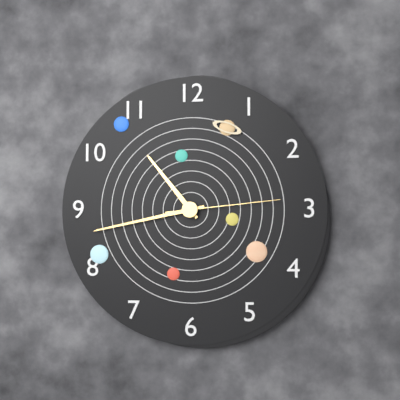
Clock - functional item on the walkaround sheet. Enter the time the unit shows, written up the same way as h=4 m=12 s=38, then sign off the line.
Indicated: h=10 m=43 s=14
